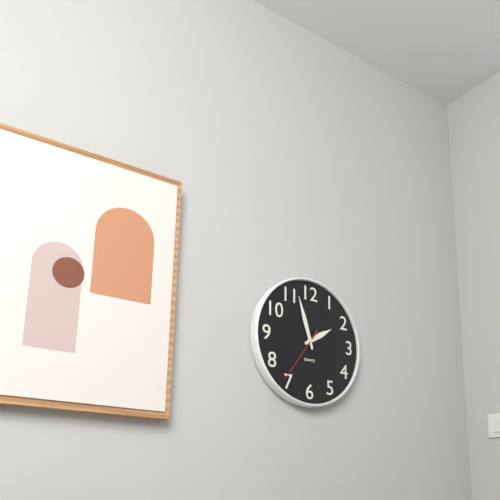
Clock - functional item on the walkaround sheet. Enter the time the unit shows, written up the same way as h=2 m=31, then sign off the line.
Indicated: h=1 m=57
